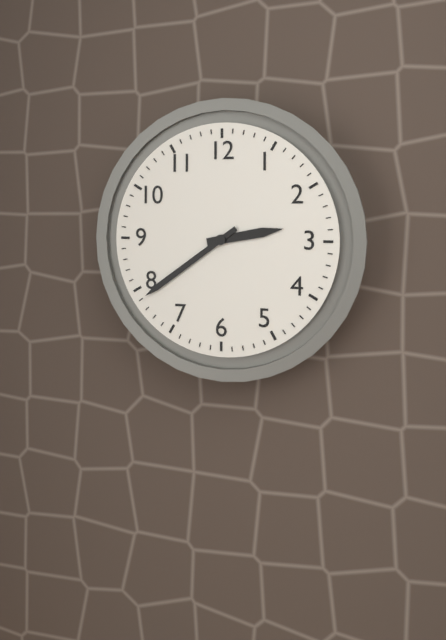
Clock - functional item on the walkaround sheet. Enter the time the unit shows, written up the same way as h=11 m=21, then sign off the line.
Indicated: h=2 m=39
